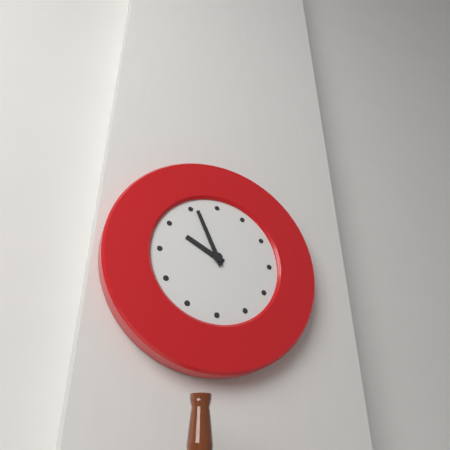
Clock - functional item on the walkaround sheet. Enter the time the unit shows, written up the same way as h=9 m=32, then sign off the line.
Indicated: h=9 m=56
